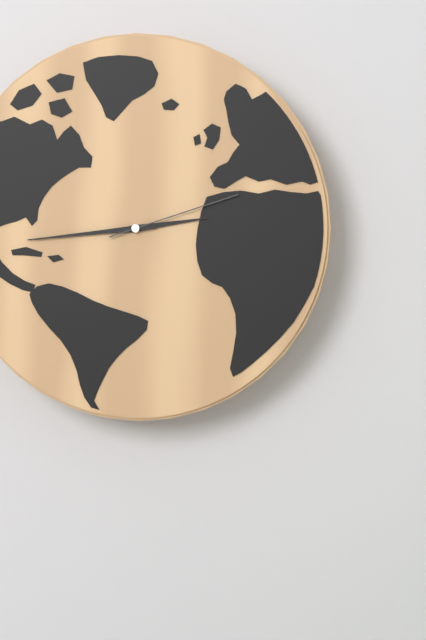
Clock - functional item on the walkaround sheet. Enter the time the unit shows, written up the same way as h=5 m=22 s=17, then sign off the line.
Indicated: h=2 m=44 s=12
